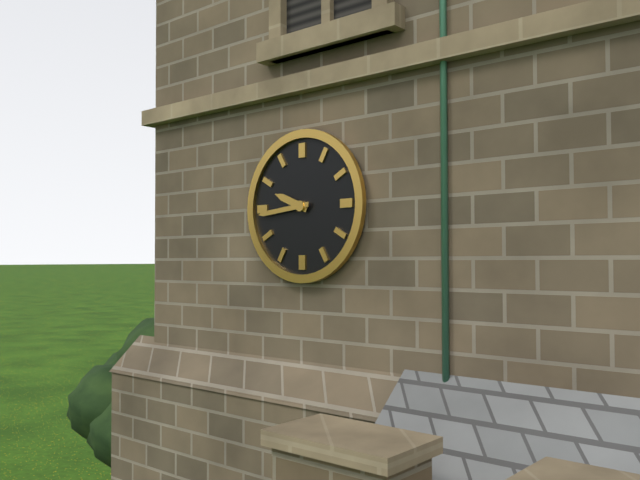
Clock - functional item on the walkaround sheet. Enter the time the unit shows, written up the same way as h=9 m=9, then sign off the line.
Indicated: h=9 m=44
